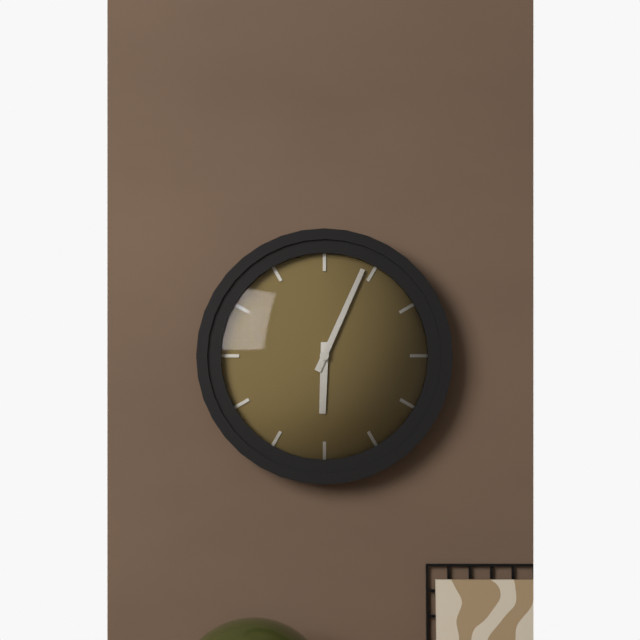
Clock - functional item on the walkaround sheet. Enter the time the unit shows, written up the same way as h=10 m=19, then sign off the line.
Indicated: h=6 m=4
